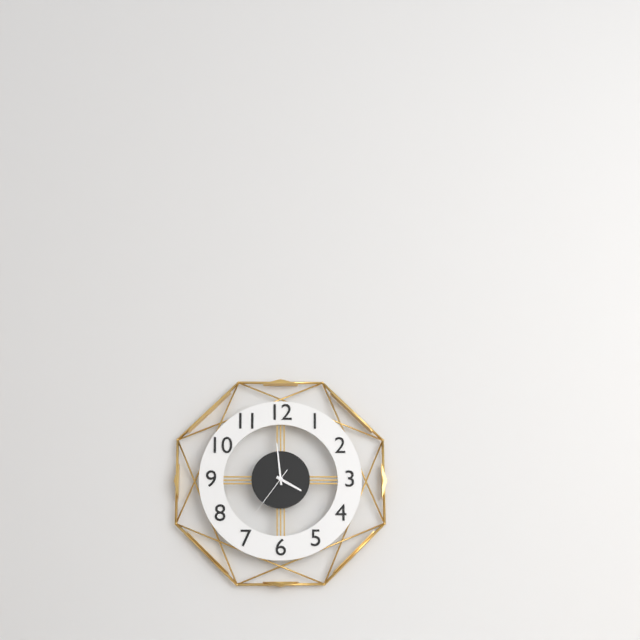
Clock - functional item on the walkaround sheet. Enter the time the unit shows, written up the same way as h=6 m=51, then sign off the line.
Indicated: h=3 m=59
